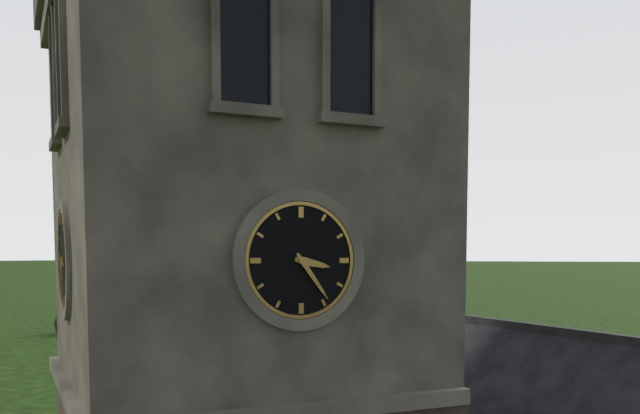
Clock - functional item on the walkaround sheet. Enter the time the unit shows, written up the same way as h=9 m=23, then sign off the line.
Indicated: h=3 m=24
